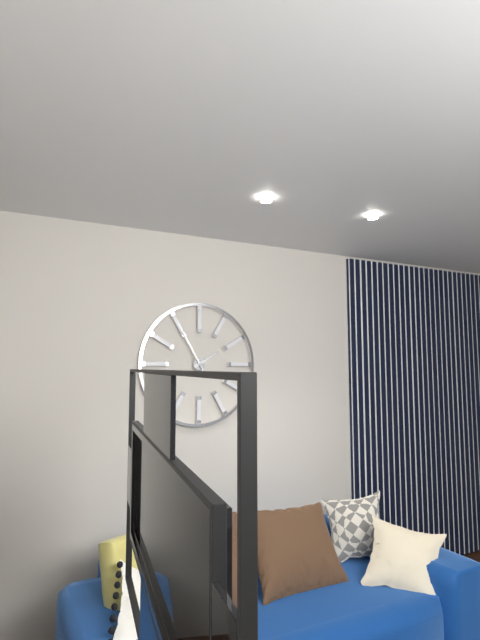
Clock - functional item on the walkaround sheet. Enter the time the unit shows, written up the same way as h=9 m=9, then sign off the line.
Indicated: h=1 m=55
